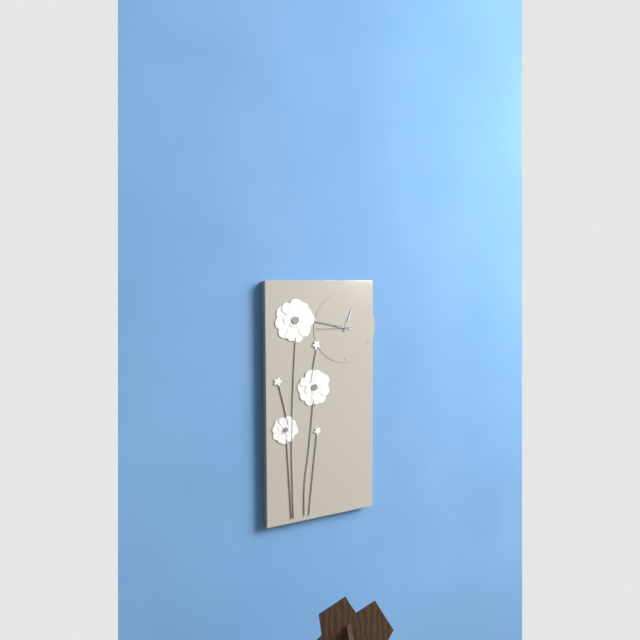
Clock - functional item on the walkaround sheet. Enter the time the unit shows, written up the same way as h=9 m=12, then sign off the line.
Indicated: h=12 m=47
